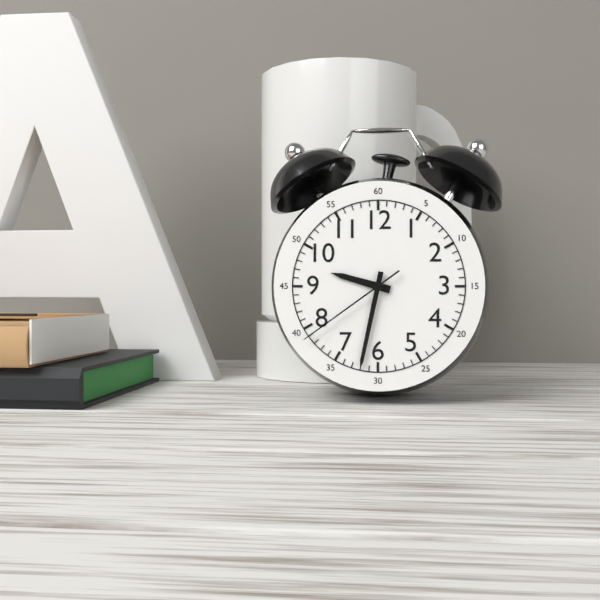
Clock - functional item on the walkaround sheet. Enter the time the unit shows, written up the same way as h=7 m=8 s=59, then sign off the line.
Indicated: h=9 m=32 s=39
